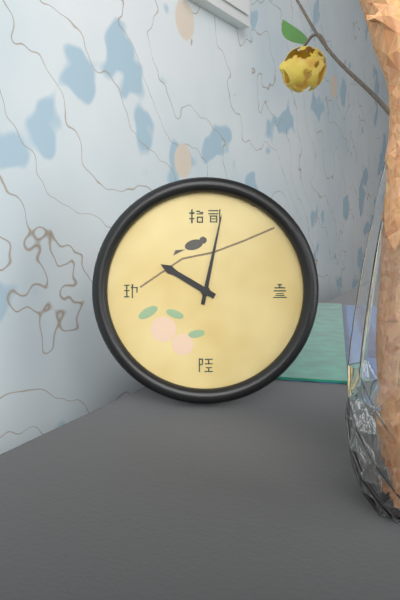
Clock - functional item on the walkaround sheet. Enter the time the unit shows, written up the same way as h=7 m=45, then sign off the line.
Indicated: h=10 m=2
